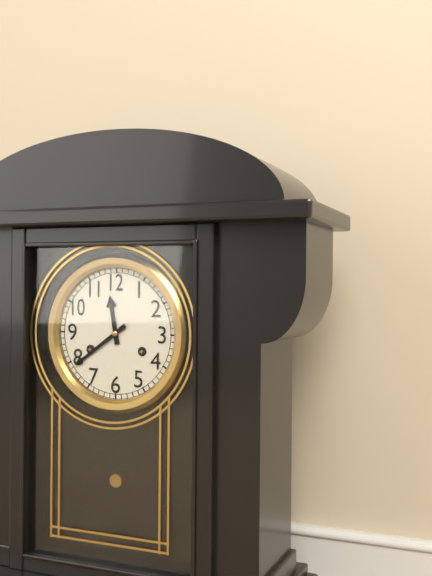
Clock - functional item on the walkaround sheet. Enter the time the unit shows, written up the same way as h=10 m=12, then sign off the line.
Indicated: h=11 m=39
